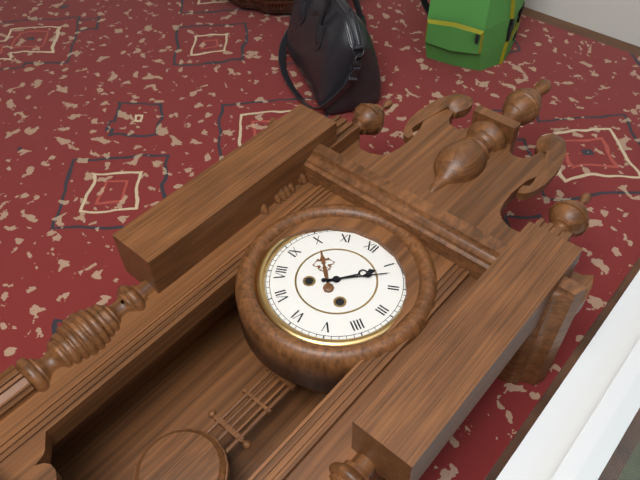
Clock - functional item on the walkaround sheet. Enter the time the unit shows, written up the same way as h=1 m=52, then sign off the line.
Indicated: h=1 m=7
